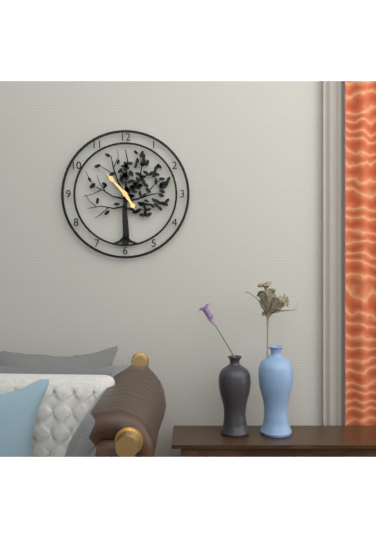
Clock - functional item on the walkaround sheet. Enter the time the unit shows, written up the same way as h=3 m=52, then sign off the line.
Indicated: h=4 m=53
